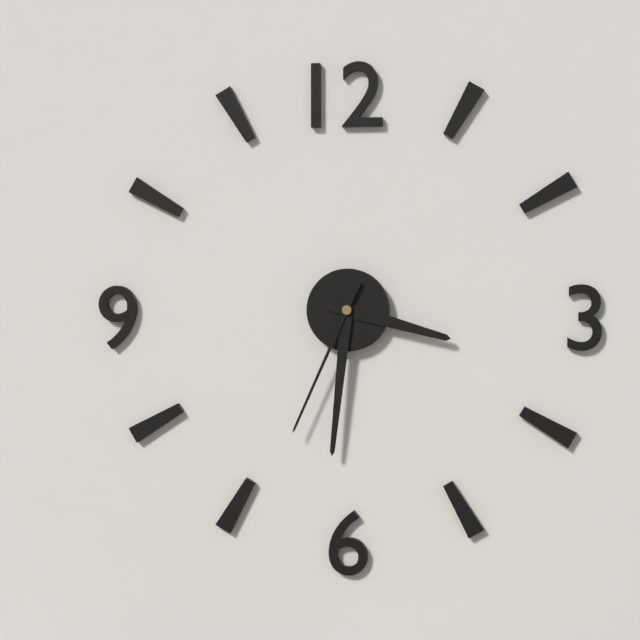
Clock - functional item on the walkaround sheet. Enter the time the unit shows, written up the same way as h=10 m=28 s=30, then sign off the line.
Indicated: h=3 m=31 s=34
